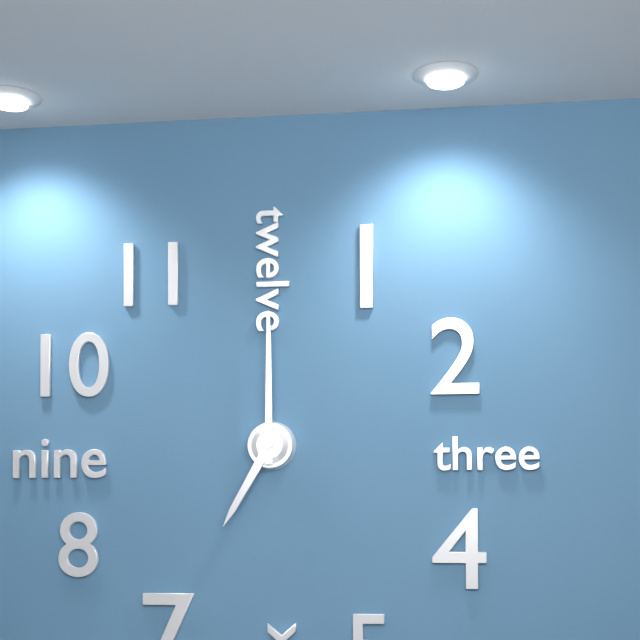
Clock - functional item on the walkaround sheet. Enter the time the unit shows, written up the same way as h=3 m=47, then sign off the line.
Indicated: h=7 m=0
